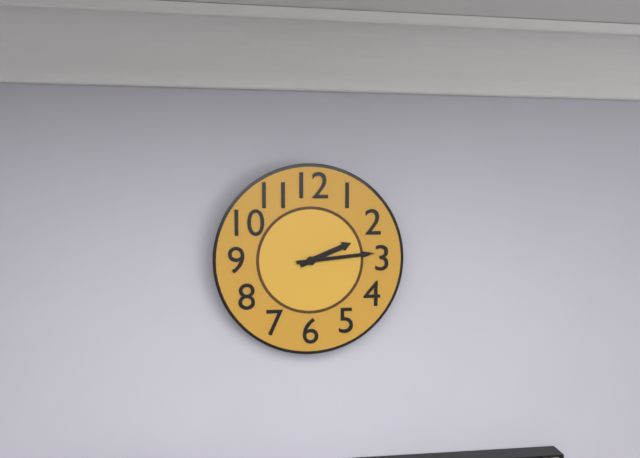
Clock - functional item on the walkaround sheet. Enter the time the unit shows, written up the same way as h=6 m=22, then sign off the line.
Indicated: h=2 m=14
